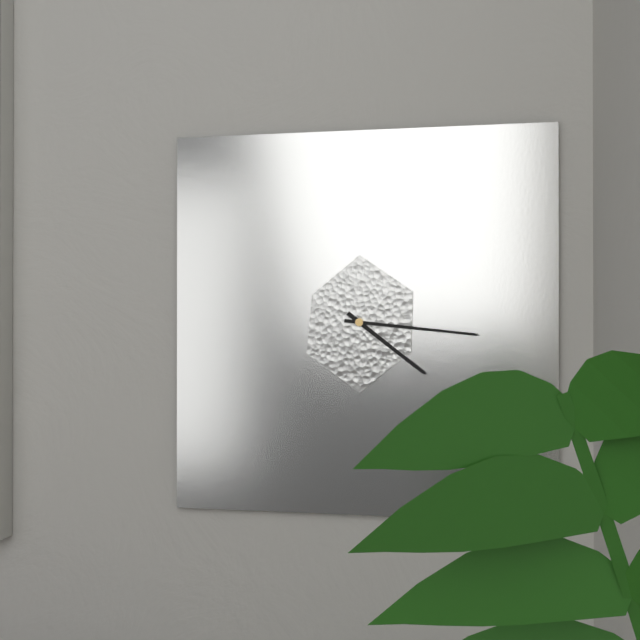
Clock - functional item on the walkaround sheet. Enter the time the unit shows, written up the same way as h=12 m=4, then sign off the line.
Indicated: h=4 m=16
